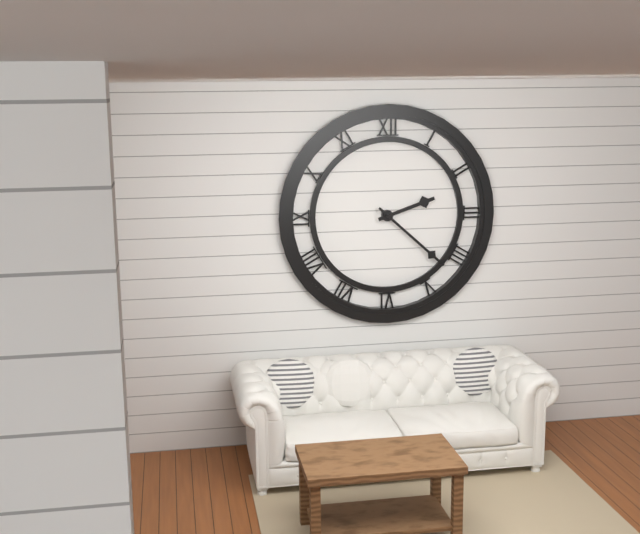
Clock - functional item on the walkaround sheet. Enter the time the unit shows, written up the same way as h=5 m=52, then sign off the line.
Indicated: h=2 m=22
